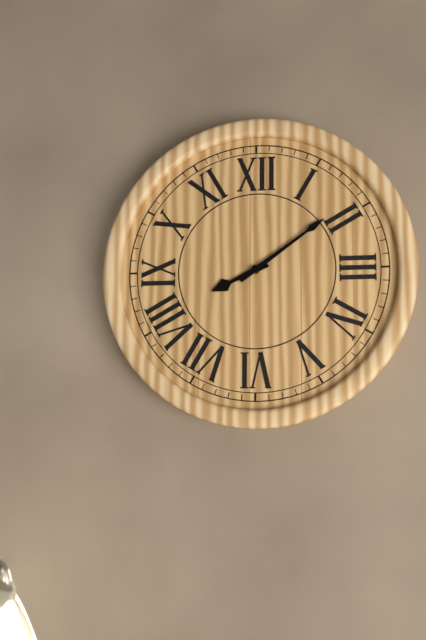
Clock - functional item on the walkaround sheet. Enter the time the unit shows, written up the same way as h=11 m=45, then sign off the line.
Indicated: h=8 m=9
